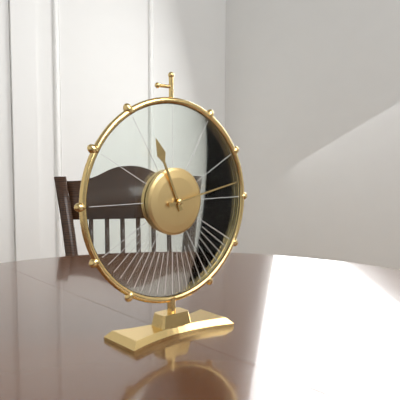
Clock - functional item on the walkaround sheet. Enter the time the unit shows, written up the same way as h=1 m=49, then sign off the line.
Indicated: h=11 m=13
